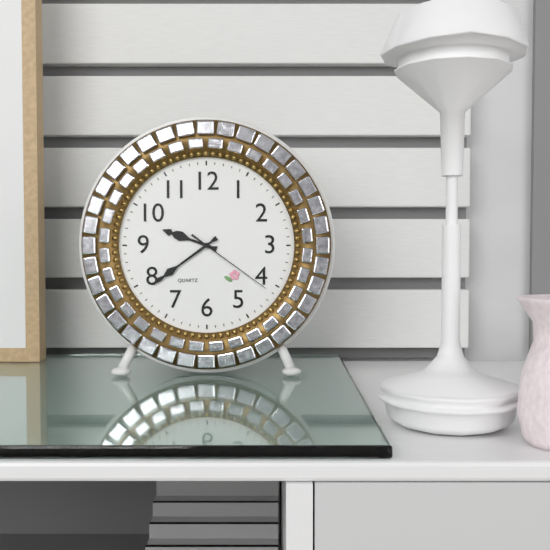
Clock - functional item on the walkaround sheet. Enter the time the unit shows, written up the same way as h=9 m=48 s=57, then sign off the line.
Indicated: h=9 m=39 s=21
